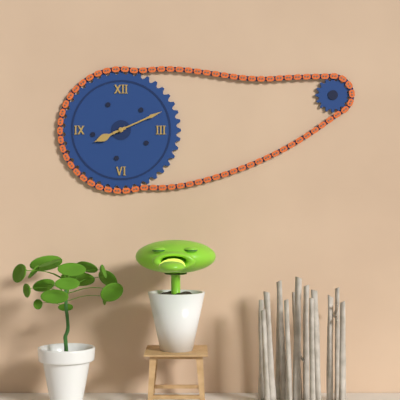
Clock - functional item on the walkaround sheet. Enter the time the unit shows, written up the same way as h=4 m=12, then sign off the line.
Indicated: h=8 m=11
